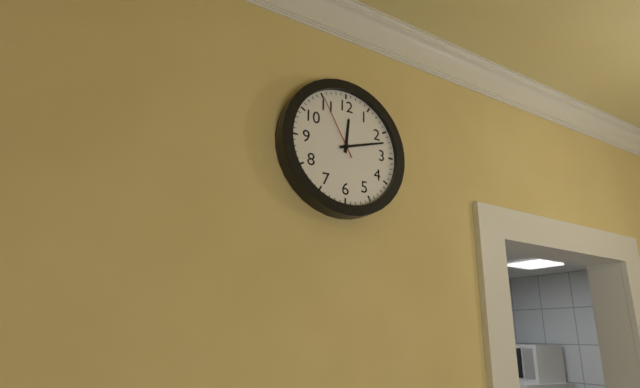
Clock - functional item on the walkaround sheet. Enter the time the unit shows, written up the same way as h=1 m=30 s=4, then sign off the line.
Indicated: h=12 m=12 s=55
